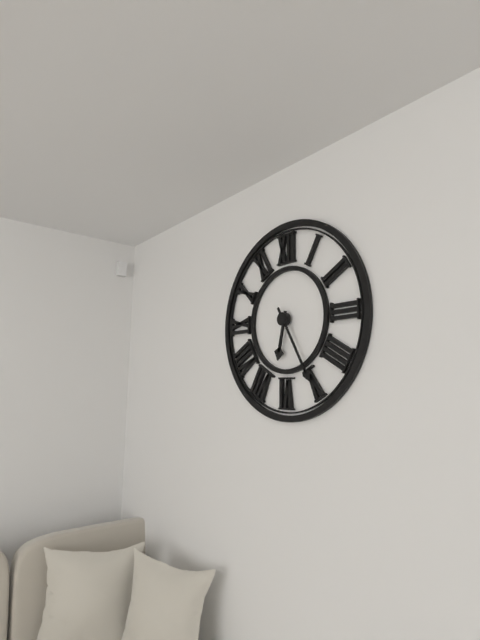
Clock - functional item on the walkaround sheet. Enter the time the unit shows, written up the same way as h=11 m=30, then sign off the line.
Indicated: h=6 m=25
